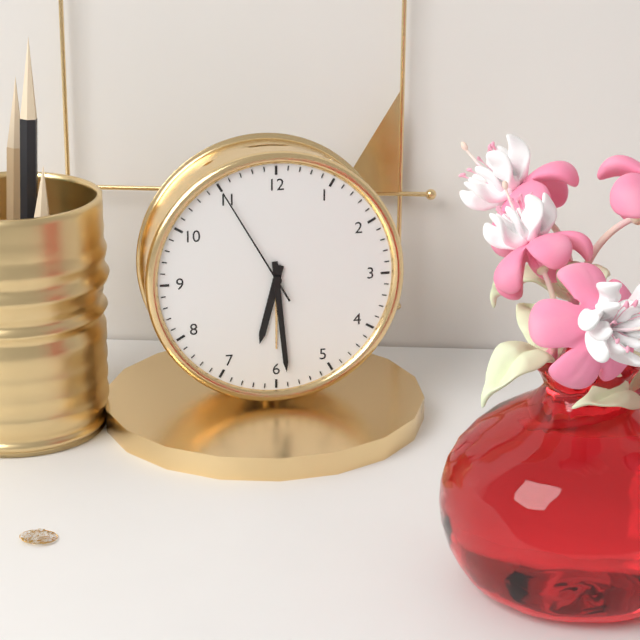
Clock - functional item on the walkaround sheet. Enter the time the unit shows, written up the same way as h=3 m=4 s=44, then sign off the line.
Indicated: h=6 m=29 s=55
